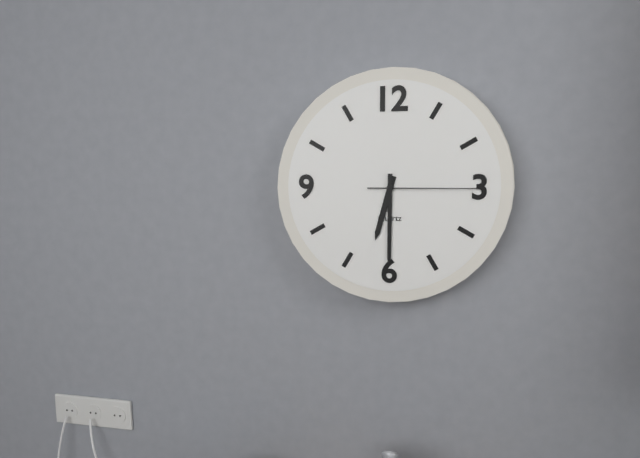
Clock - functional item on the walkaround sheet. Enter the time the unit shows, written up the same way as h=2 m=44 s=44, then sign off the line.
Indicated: h=6 m=30 s=15
